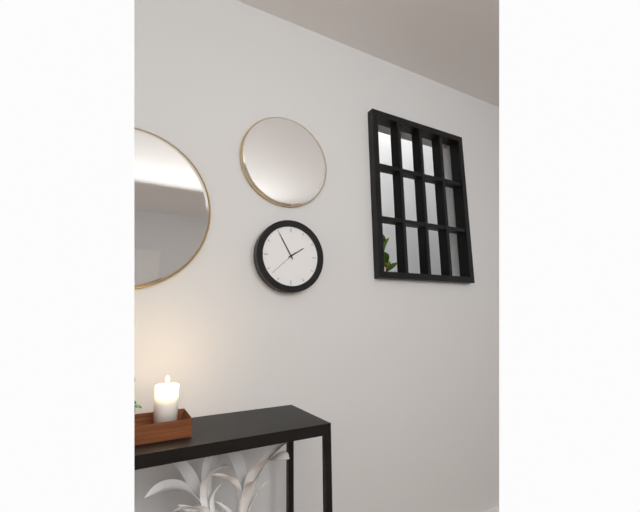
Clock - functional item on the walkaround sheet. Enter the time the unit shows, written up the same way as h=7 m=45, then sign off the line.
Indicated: h=1 m=55
